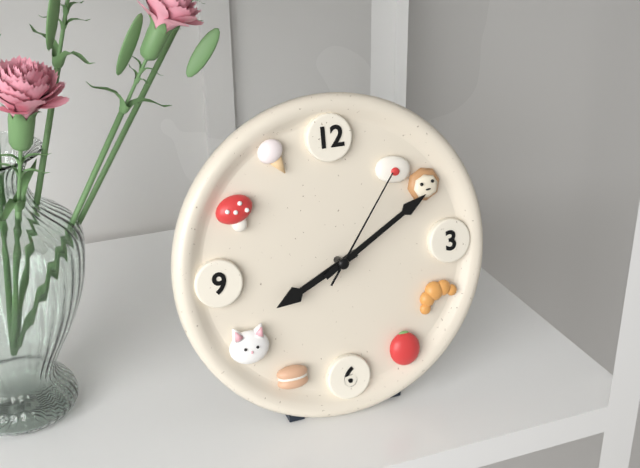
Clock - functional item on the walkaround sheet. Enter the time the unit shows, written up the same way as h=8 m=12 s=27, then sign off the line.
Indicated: h=8 m=10 s=6
